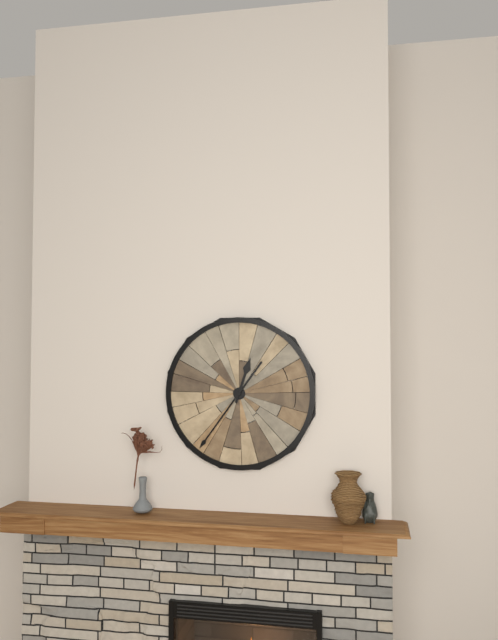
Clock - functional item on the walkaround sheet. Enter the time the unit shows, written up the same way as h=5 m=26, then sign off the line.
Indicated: h=12 m=36
